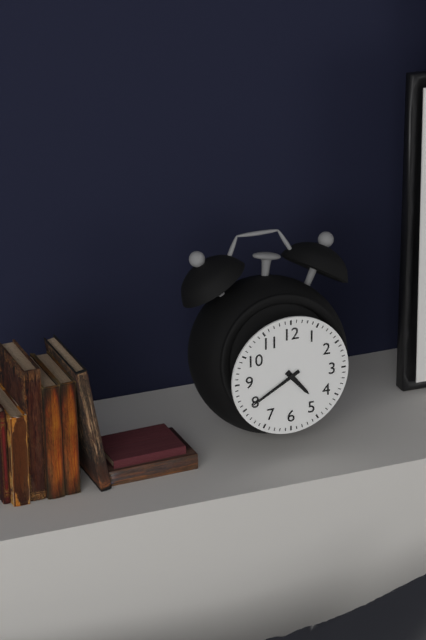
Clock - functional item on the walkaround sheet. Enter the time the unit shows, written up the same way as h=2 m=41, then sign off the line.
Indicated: h=4 m=40
